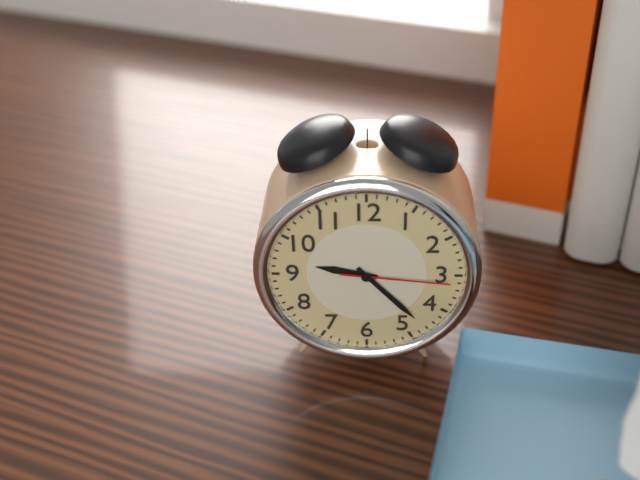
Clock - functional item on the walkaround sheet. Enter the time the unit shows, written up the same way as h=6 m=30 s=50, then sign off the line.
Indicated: h=9 m=23 s=16
